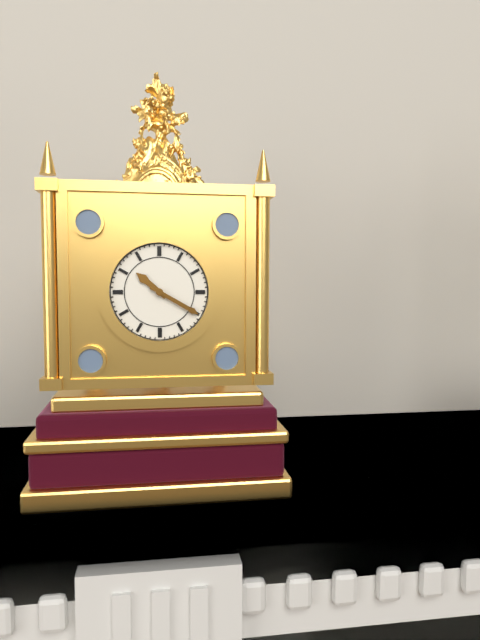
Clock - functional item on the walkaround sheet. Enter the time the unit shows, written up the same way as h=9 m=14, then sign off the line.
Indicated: h=10 m=20
